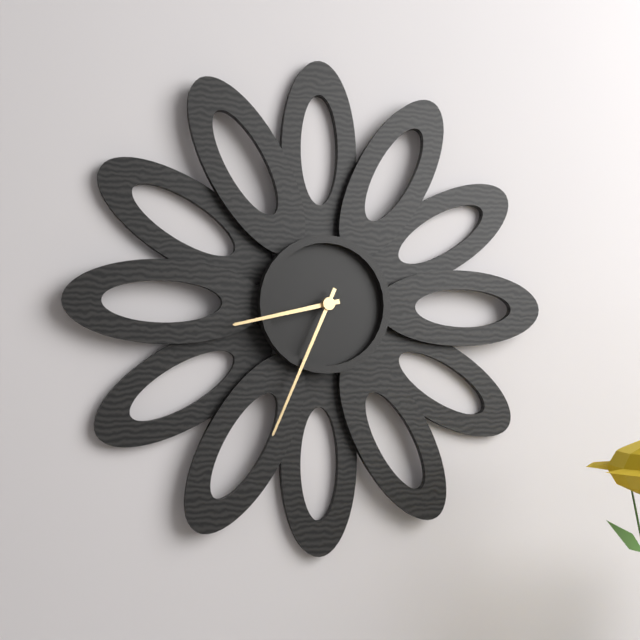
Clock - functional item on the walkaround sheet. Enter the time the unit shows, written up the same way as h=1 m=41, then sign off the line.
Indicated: h=8 m=34
